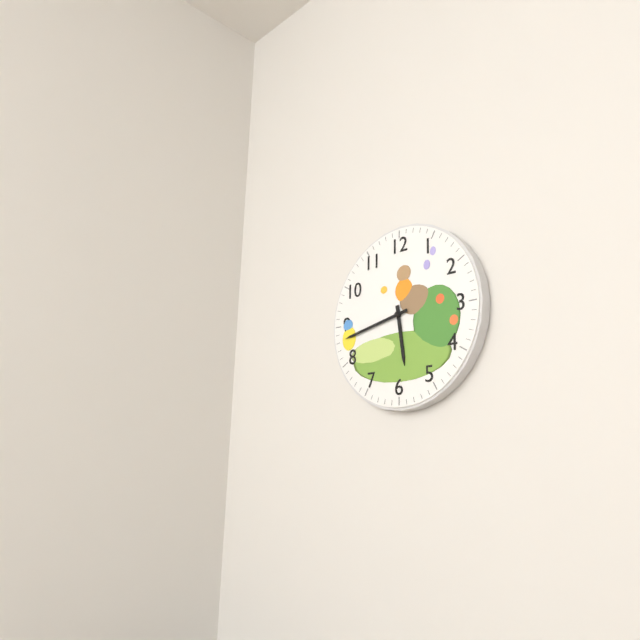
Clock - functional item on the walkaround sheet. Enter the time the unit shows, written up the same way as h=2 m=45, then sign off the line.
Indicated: h=5 m=43
